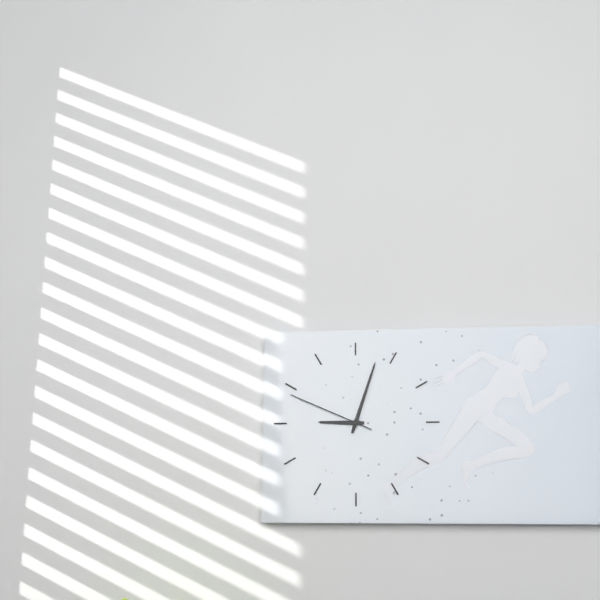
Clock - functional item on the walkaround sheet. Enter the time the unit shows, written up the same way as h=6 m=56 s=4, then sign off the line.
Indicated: h=9 m=3 s=49
